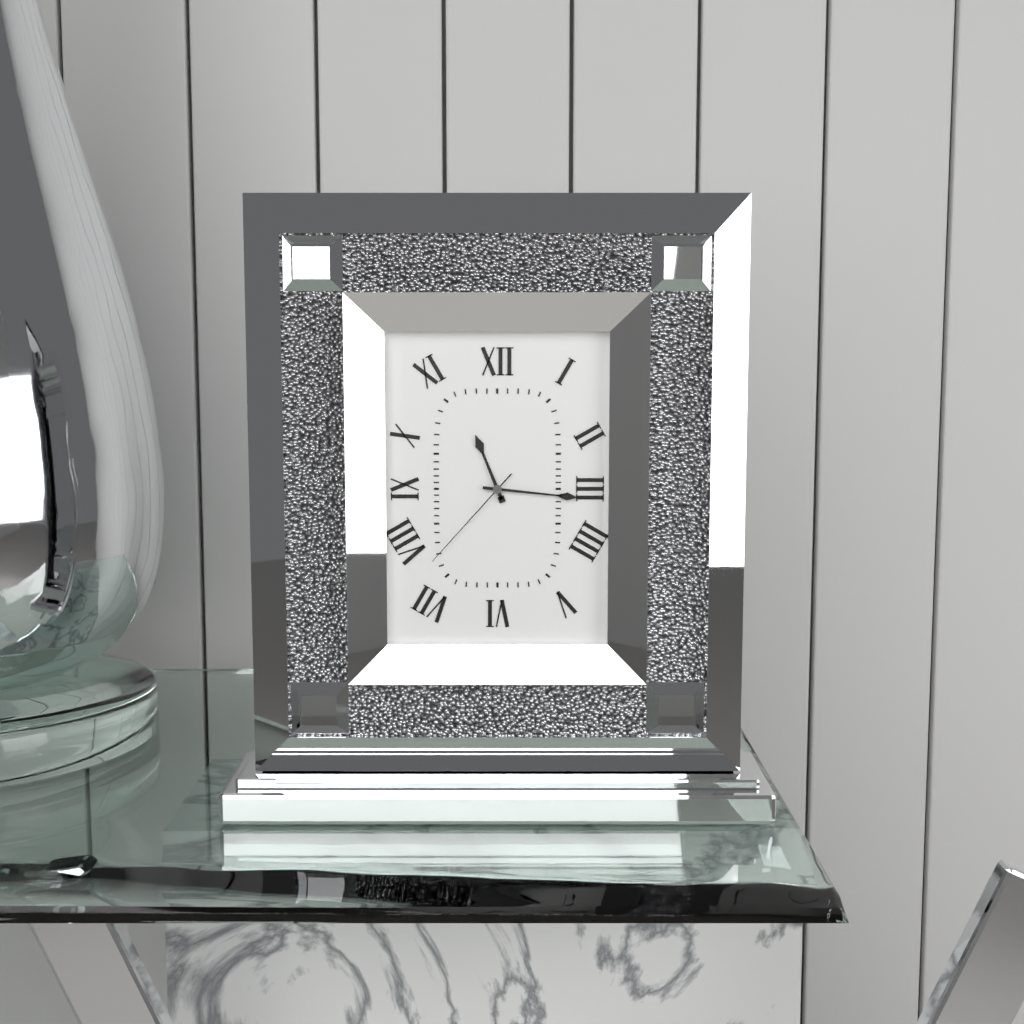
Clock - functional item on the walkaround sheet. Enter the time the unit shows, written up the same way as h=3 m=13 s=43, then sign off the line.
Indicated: h=11 m=16 s=37
